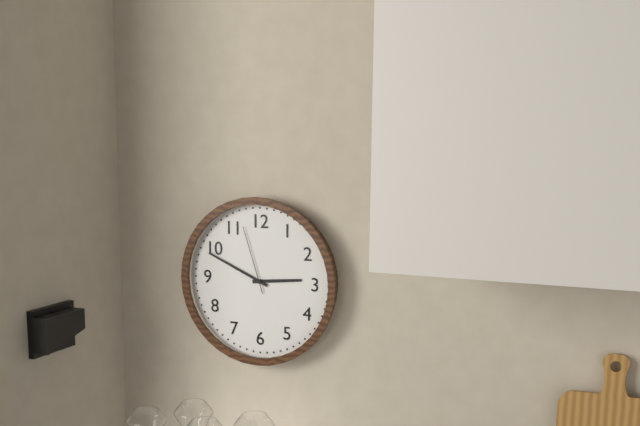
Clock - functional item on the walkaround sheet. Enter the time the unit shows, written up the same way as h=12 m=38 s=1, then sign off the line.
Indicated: h=2 m=49 s=57
